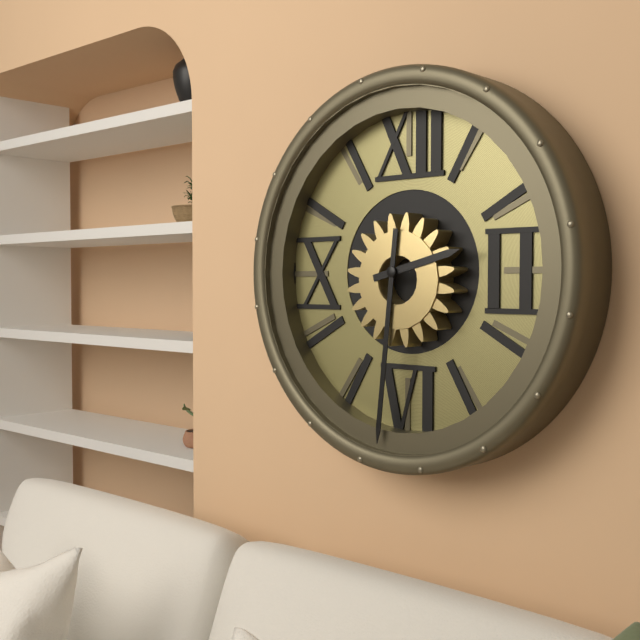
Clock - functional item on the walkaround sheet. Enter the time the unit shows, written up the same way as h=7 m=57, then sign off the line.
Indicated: h=2 m=31
